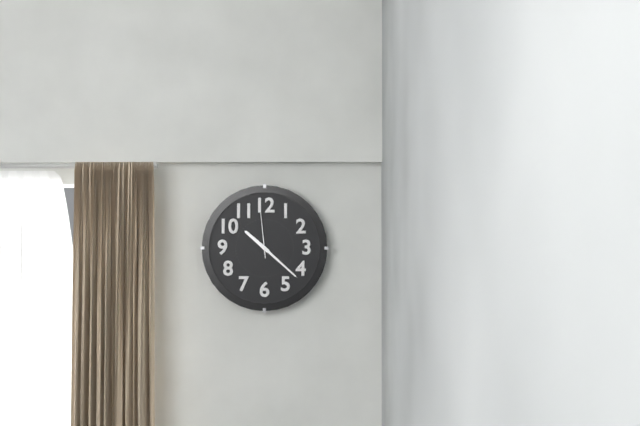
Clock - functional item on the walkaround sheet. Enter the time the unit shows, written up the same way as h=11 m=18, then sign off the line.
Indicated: h=10 m=22
